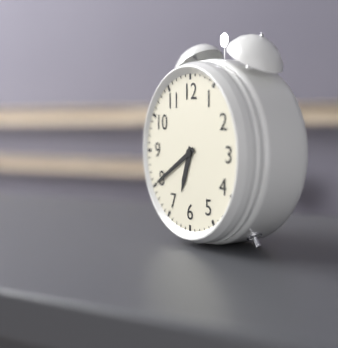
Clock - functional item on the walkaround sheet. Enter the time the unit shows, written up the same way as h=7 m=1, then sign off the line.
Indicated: h=6 m=40
